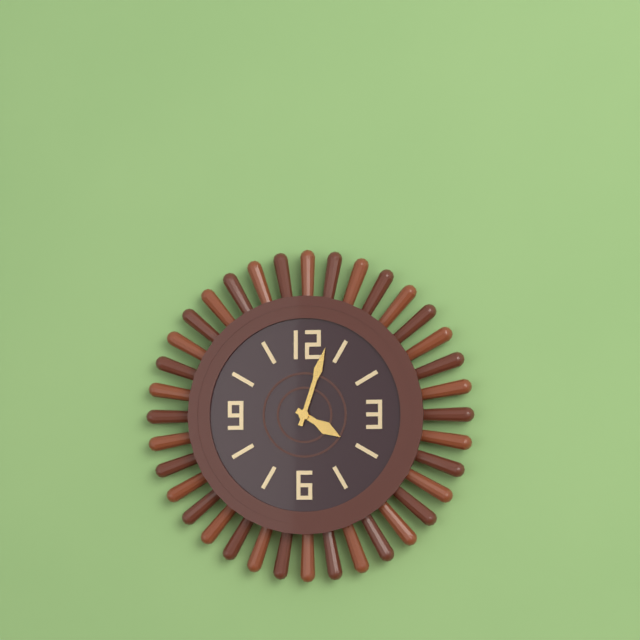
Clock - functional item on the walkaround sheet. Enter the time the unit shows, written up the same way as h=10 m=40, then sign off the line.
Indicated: h=4 m=3
